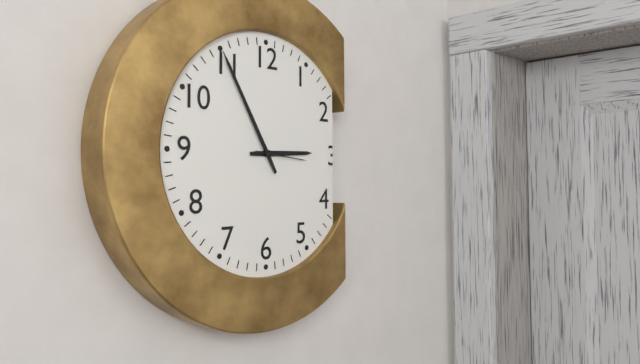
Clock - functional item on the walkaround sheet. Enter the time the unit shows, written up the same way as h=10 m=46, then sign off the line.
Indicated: h=2 m=55
